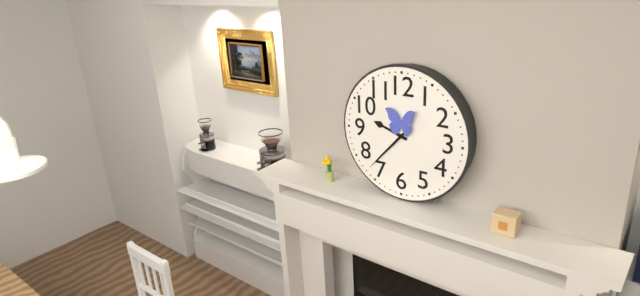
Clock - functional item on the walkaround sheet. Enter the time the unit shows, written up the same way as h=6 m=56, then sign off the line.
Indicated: h=9 m=37
